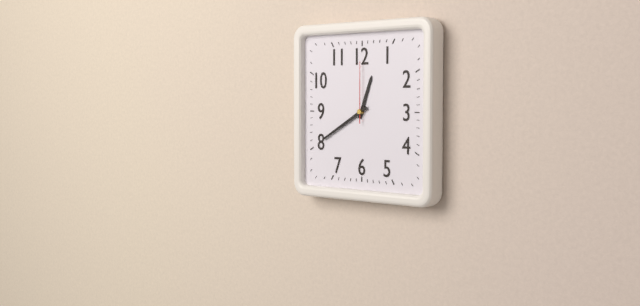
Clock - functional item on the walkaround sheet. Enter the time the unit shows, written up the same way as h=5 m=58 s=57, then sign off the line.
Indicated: h=12 m=40 s=0
